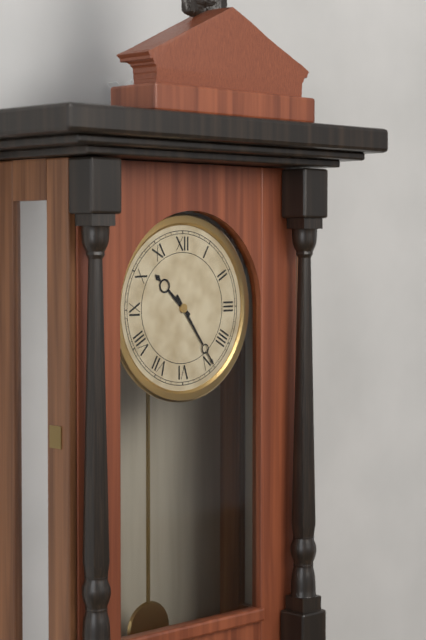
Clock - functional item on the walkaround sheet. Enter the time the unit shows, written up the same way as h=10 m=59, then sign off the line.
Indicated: h=10 m=24
